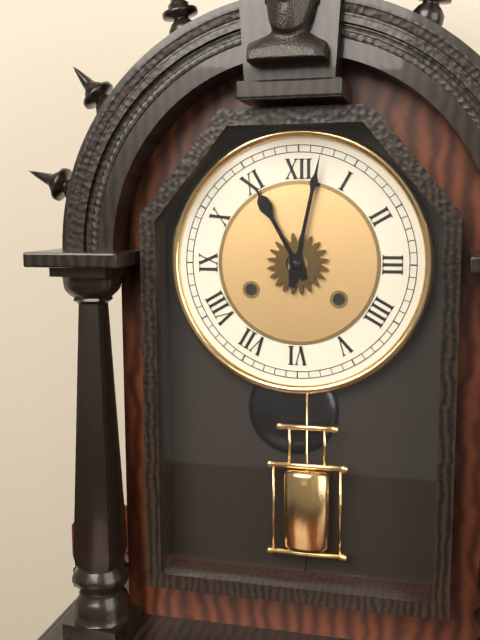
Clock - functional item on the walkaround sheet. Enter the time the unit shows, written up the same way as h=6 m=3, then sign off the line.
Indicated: h=11 m=2
